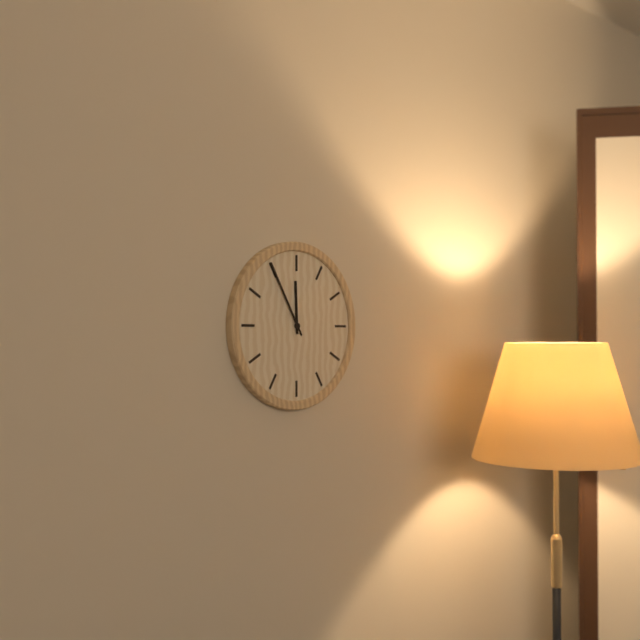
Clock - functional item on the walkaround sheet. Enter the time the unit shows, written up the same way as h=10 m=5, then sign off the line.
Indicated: h=11 m=55
